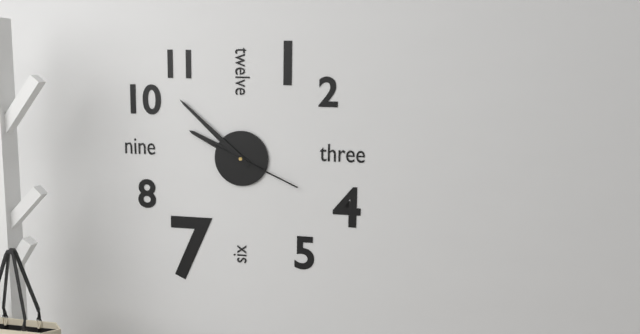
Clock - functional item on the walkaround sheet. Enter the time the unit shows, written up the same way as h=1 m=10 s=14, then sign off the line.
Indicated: h=9 m=52 s=19
